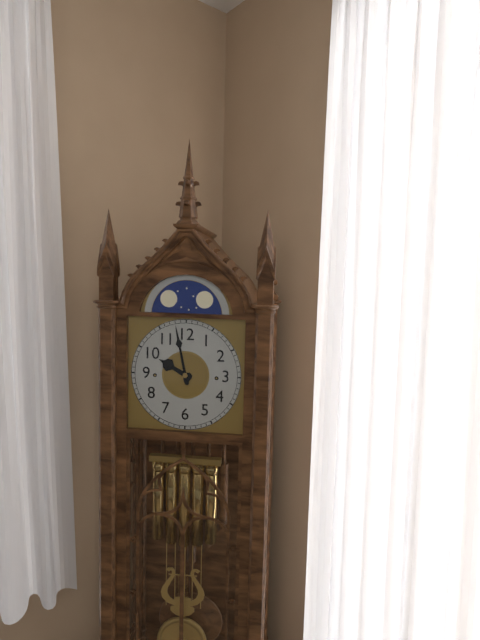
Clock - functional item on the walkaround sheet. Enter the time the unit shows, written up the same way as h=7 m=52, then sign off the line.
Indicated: h=9 m=58
